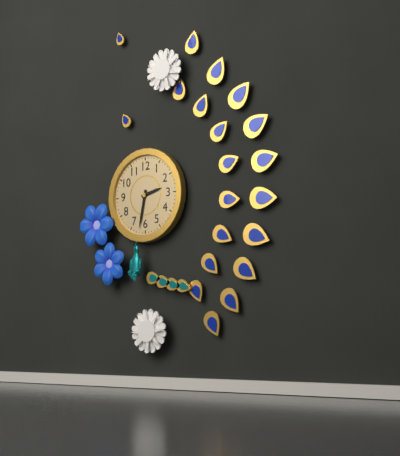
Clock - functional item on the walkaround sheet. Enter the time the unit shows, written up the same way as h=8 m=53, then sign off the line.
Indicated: h=2 m=32
